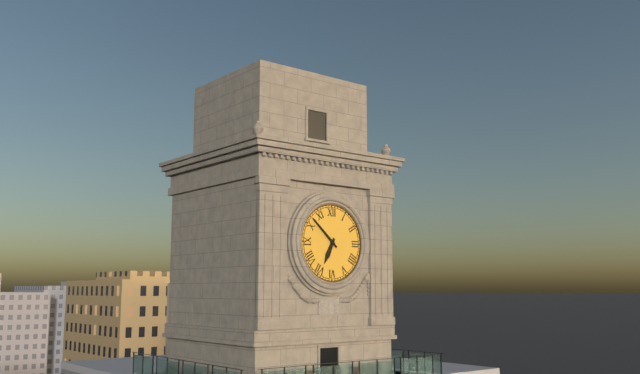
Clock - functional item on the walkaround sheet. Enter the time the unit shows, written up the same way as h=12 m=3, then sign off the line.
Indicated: h=6 m=52
